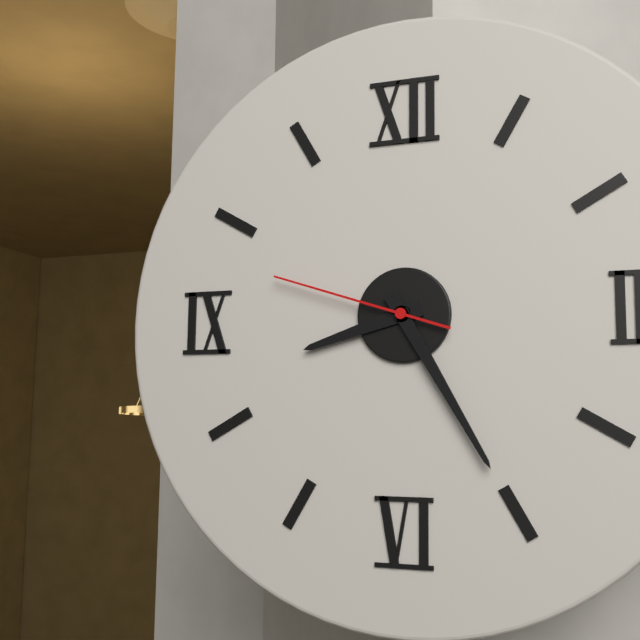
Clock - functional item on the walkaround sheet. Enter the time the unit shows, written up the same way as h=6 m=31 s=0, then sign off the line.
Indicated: h=8 m=25 s=48
